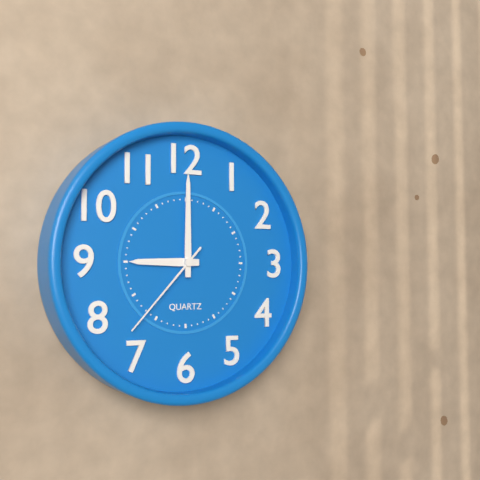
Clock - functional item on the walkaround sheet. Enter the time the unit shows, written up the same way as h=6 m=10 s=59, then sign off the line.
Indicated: h=9 m=0 s=37
